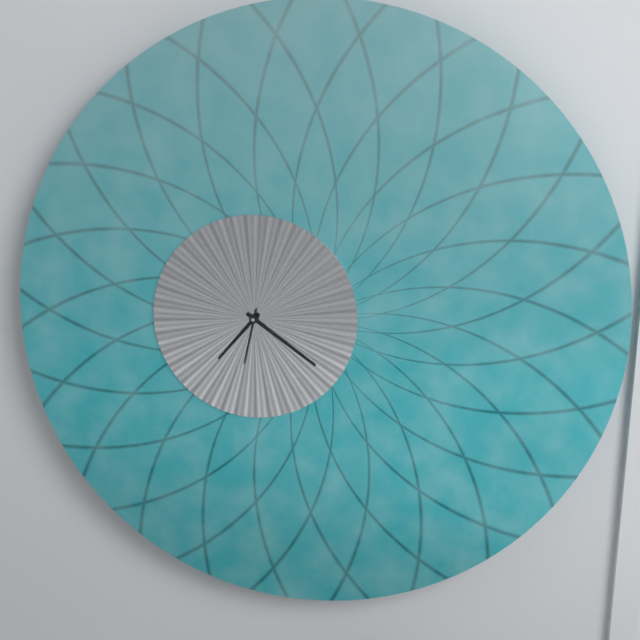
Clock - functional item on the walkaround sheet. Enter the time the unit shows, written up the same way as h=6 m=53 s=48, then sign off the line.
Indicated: h=7 m=21 s=32
